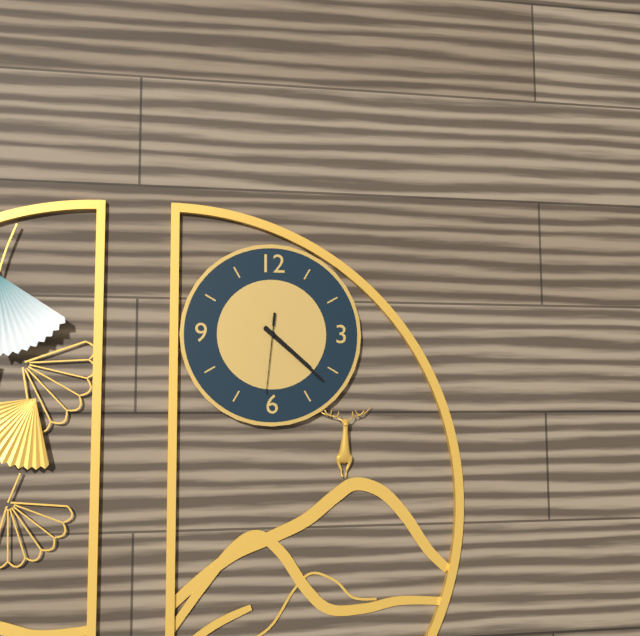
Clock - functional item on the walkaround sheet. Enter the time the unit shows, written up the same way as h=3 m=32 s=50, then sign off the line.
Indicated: h=4 m=22 s=31
